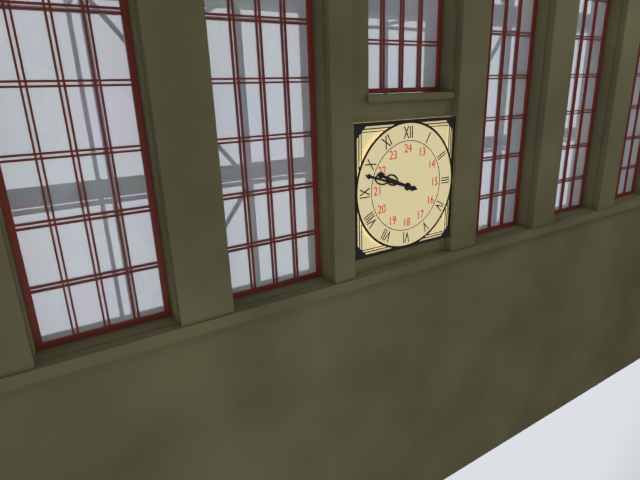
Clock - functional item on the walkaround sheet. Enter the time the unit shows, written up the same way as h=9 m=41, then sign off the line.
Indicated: h=9 m=48
